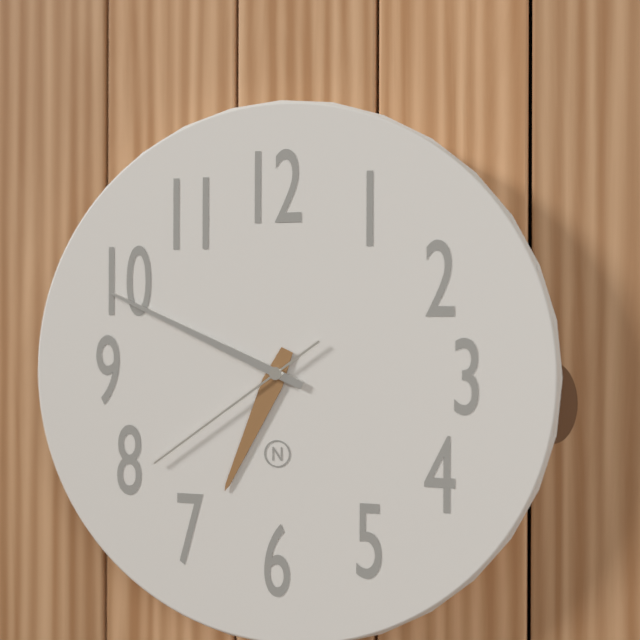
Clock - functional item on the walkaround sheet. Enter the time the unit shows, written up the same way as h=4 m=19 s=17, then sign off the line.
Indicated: h=6 m=49 s=39
